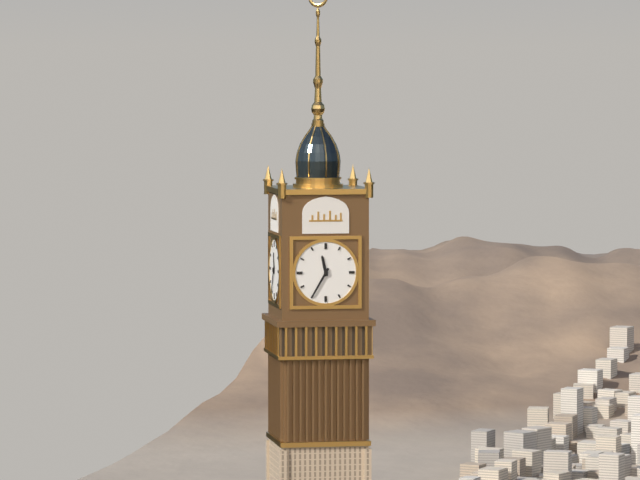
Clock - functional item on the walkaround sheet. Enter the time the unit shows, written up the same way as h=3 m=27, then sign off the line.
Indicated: h=11 m=35
